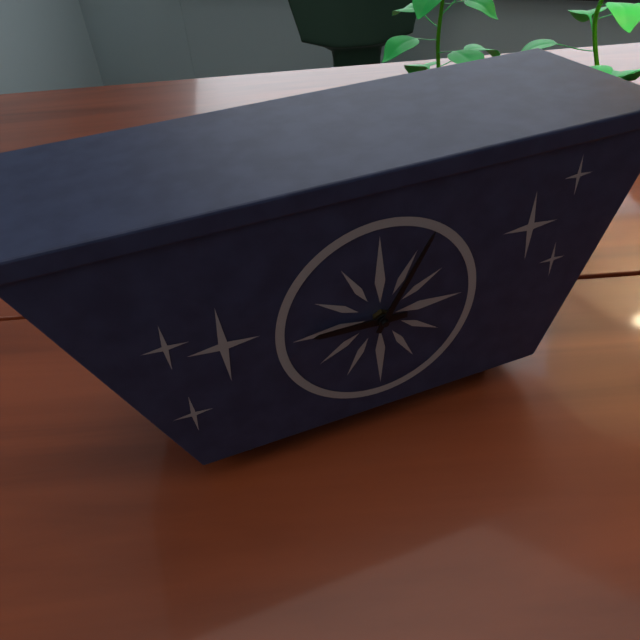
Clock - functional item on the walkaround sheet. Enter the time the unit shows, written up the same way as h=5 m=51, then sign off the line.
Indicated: h=9 m=5
